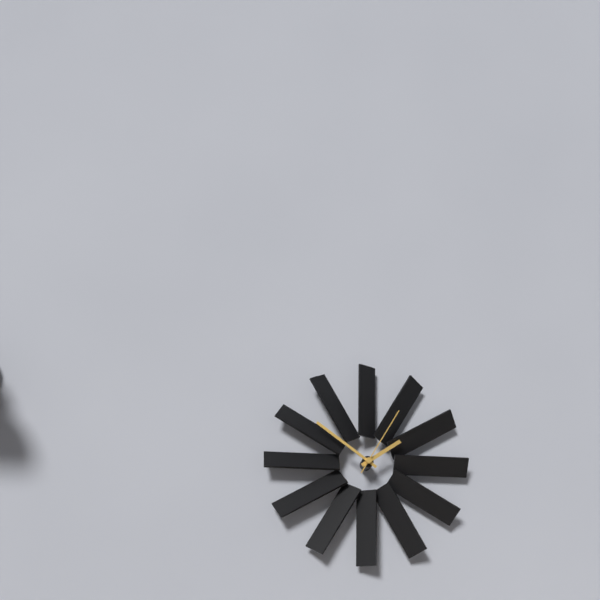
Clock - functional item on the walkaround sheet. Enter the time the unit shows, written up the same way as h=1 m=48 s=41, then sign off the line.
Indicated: h=1 m=51 s=5
